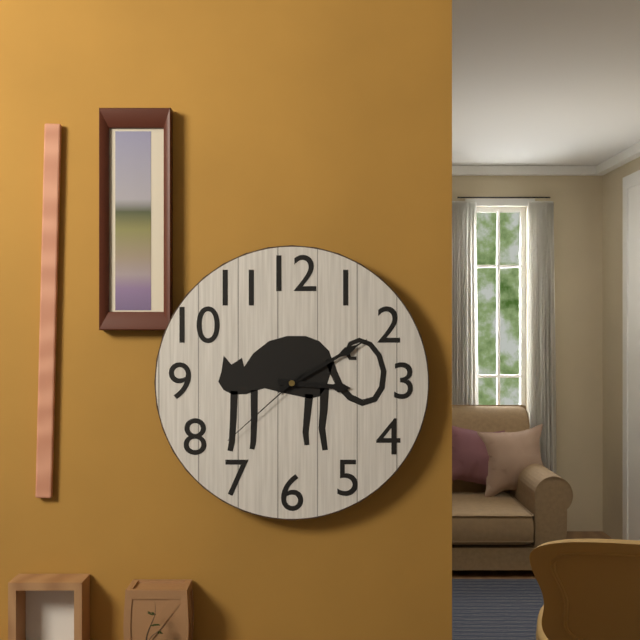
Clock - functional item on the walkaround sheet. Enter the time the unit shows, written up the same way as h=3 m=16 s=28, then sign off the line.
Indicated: h=3 m=10 s=38
